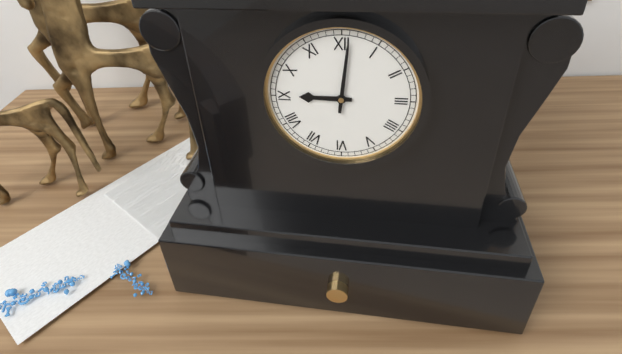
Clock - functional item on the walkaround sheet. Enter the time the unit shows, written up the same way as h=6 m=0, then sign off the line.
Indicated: h=9 m=1
